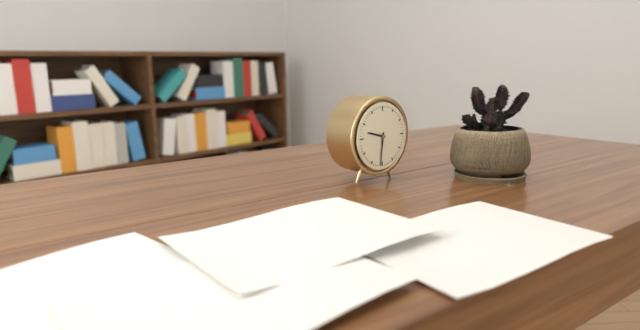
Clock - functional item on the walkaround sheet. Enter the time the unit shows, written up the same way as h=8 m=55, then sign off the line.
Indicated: h=9 m=31
